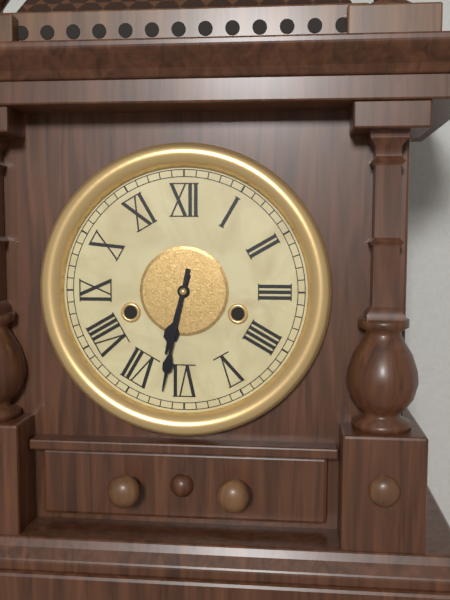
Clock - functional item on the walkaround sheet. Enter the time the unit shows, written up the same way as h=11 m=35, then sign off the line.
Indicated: h=6 m=32
